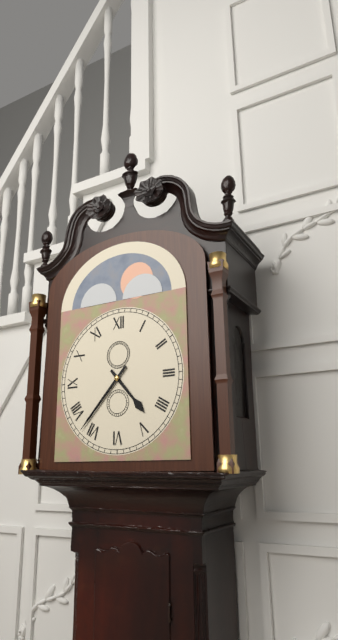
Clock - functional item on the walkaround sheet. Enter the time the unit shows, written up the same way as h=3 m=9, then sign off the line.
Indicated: h=4 m=37
